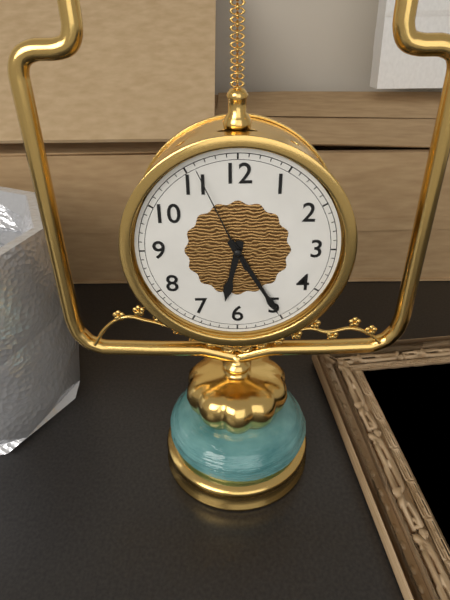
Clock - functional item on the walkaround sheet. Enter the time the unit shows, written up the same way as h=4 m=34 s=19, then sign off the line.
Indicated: h=6 m=25 s=56
